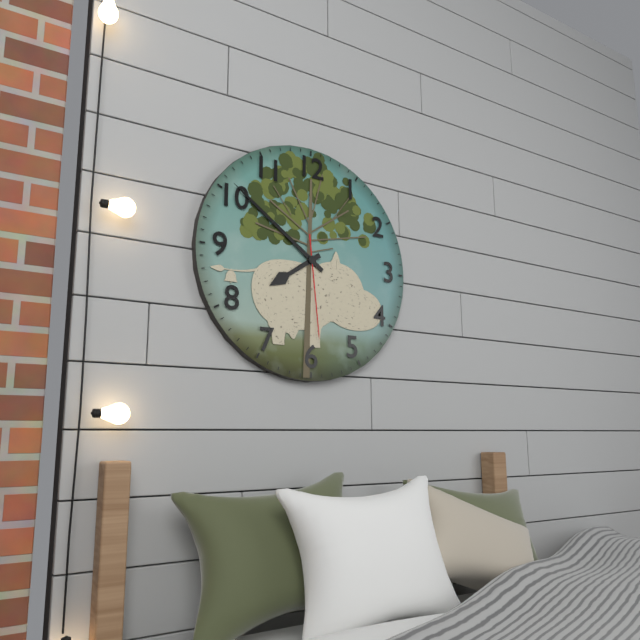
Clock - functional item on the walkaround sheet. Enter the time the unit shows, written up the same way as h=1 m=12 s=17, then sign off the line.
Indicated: h=7 m=51 s=29
